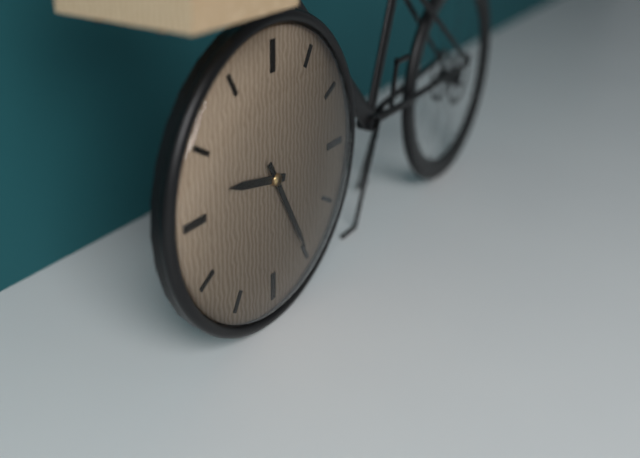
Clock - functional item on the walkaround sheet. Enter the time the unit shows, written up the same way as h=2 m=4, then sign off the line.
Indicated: h=9 m=25
